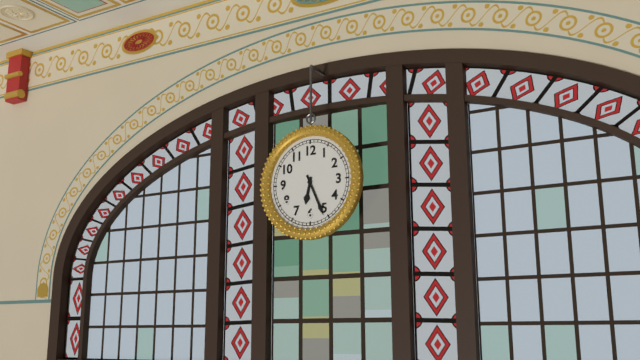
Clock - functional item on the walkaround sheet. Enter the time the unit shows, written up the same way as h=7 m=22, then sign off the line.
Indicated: h=6 m=26
